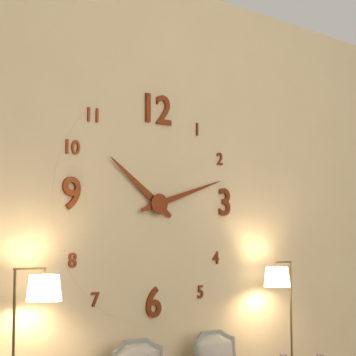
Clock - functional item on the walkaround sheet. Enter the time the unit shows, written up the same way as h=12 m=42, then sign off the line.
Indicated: h=10 m=12
